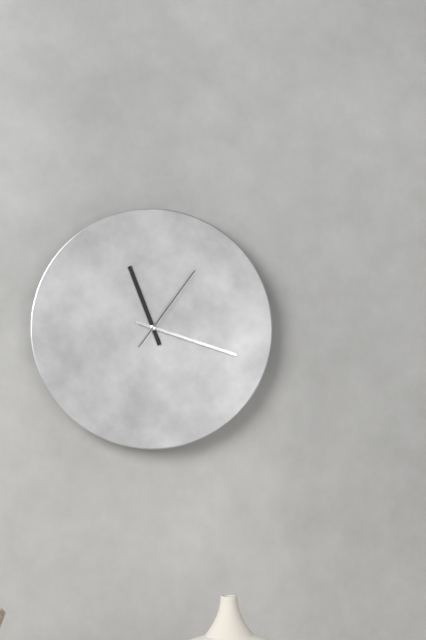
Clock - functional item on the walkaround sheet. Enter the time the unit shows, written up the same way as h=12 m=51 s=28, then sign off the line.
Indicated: h=11 m=18 s=6
